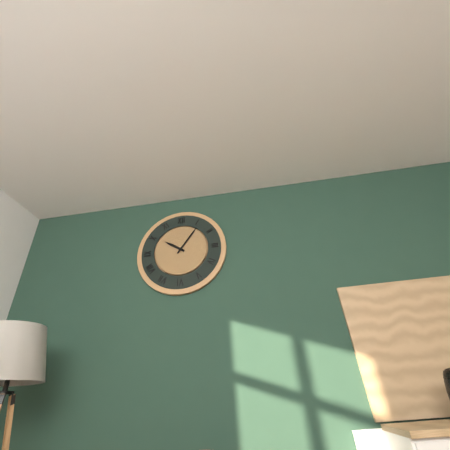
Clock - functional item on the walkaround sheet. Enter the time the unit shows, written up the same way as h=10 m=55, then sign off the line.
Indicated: h=10 m=6
